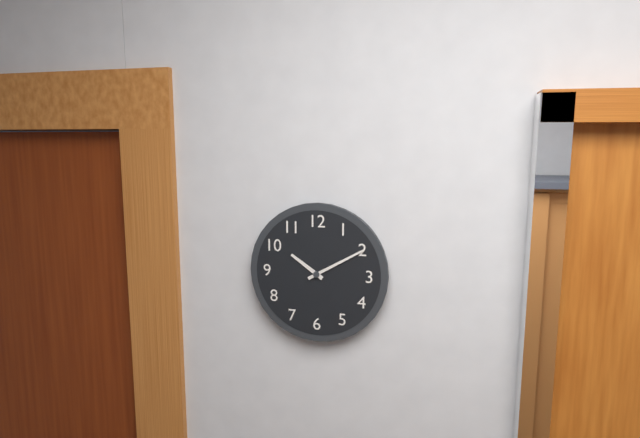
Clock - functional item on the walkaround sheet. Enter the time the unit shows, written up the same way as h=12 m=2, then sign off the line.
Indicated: h=10 m=10
